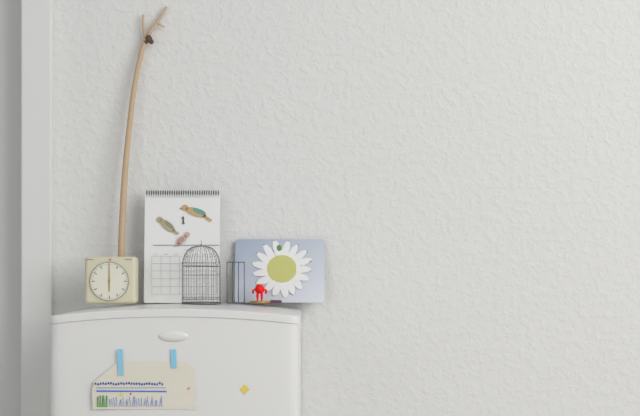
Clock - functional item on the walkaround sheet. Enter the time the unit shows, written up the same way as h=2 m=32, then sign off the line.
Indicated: h=6 m=0
